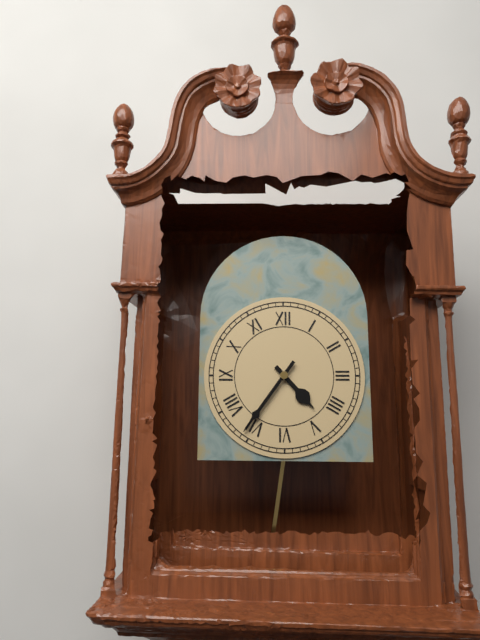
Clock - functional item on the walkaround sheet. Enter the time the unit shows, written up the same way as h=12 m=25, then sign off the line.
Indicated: h=4 m=36
